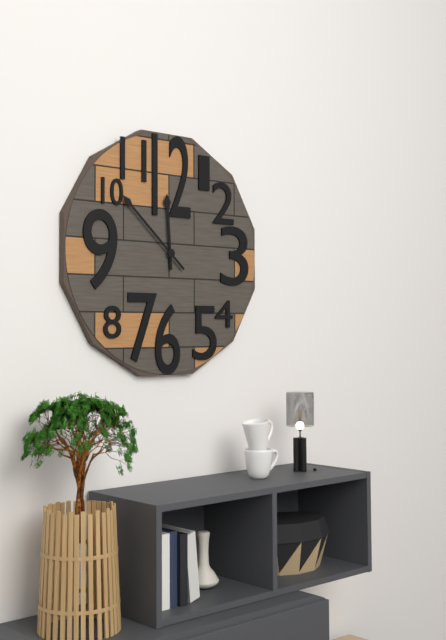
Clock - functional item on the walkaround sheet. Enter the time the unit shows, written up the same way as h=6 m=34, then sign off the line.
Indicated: h=11 m=52
